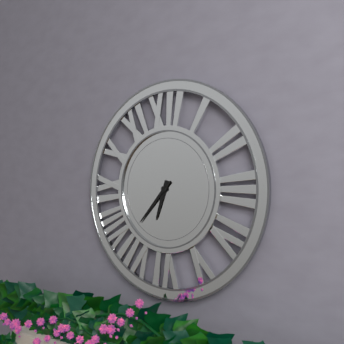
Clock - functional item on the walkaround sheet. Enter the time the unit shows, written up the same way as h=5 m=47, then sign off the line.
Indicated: h=6 m=37
